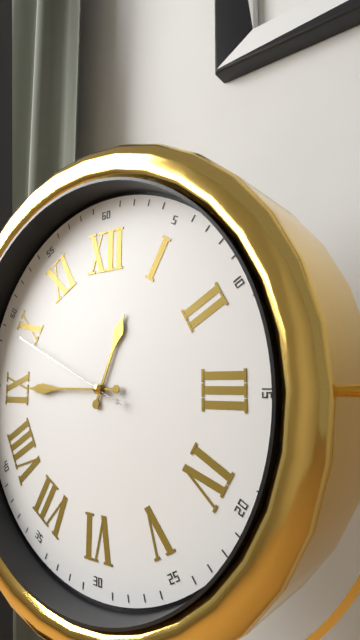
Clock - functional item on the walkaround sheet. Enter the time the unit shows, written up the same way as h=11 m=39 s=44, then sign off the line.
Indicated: h=12 m=45 s=49
